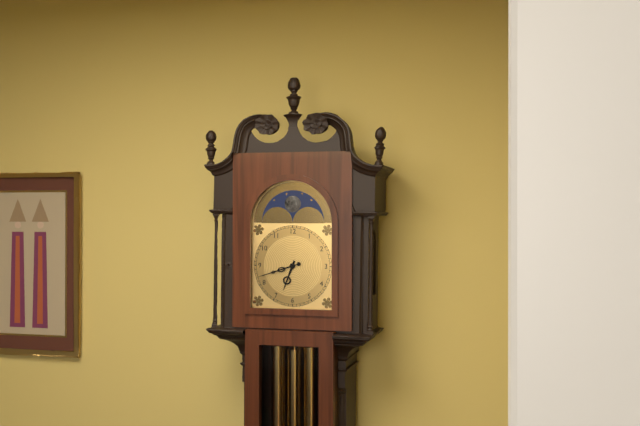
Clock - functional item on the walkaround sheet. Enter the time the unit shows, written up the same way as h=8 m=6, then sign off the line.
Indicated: h=6 m=42
